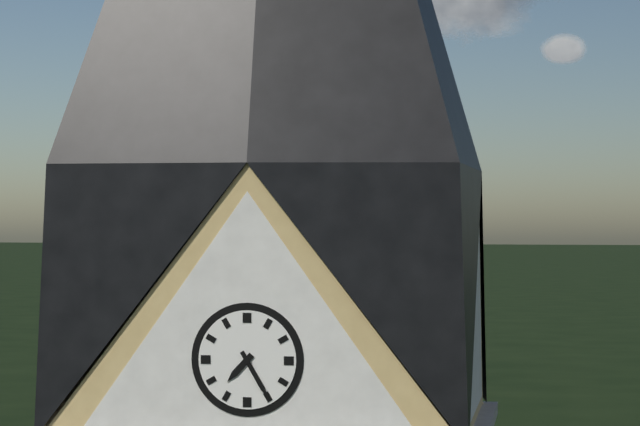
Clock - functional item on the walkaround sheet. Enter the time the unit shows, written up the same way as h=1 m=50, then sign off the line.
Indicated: h=7 m=25
